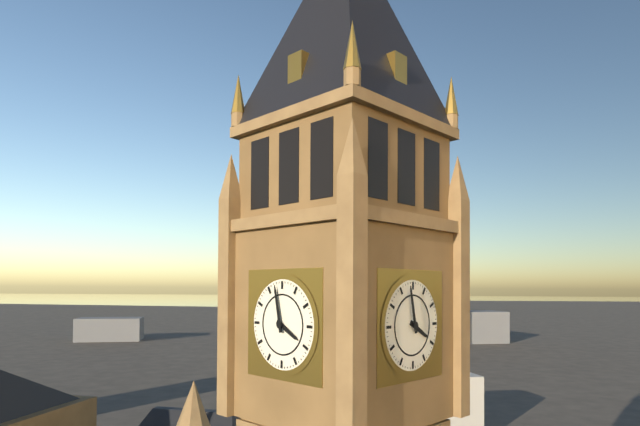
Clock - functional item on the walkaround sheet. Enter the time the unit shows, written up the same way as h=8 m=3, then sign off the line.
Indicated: h=3 m=58
